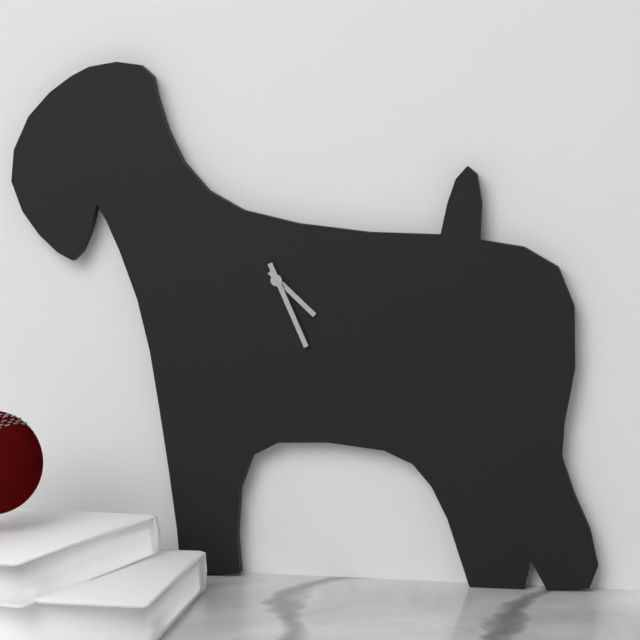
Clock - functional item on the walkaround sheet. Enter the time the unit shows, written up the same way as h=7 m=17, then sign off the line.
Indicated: h=4 m=26
